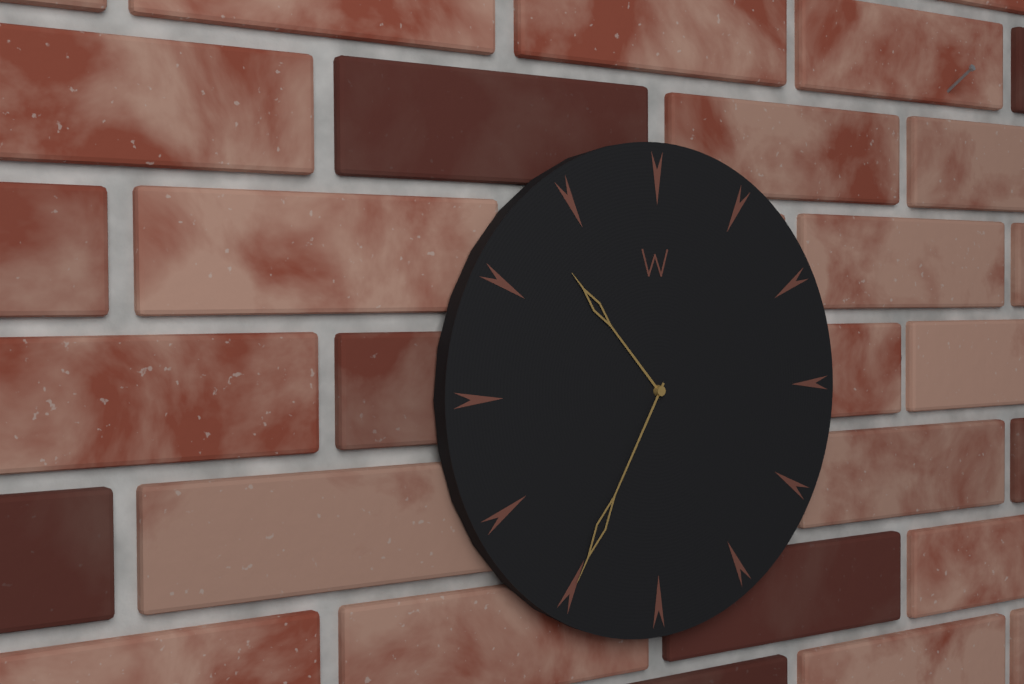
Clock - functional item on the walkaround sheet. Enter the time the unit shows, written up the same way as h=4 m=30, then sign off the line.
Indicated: h=10 m=35
